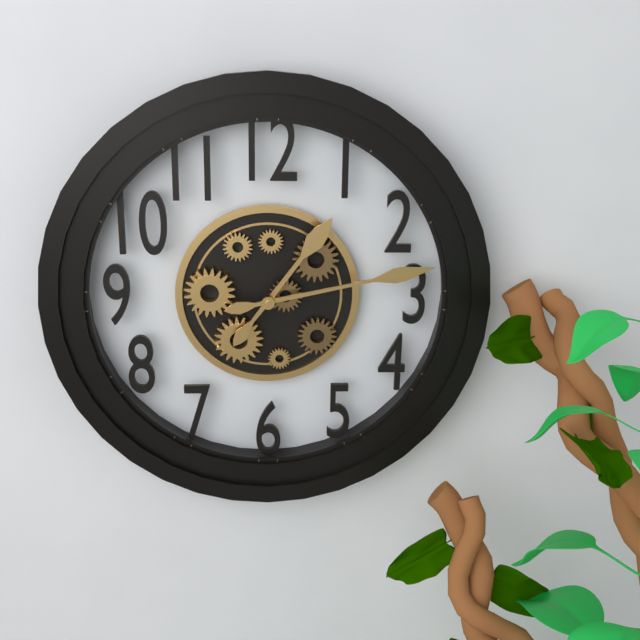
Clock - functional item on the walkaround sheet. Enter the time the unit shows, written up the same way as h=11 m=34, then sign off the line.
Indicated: h=1 m=13
